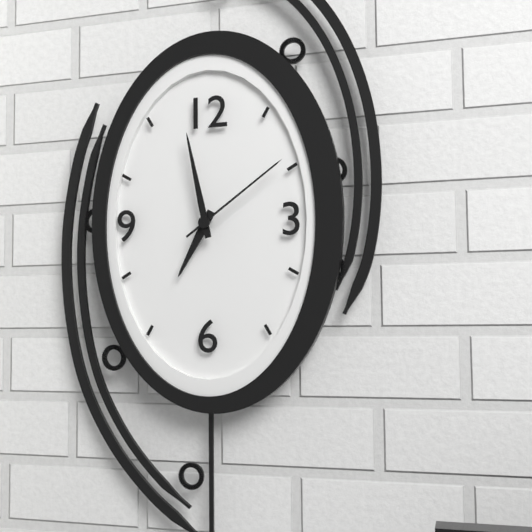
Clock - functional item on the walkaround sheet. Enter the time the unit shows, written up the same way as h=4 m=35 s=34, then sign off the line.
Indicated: h=6 m=58 s=9
